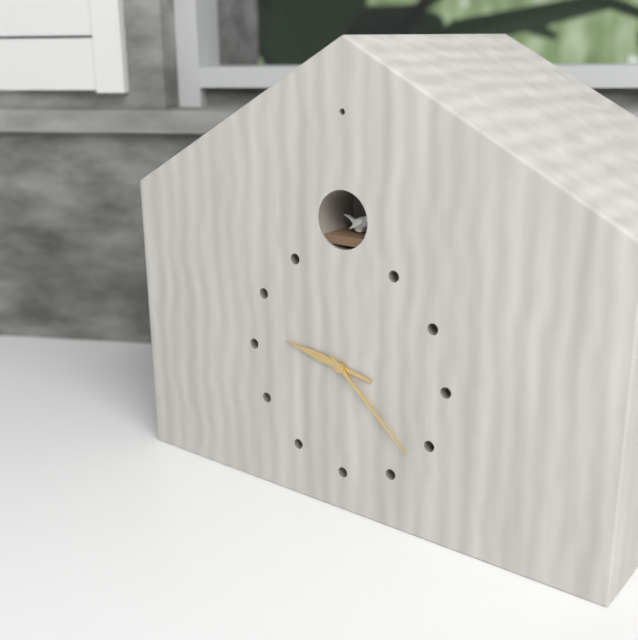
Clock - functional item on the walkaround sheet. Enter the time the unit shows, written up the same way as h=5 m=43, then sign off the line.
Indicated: h=9 m=22
